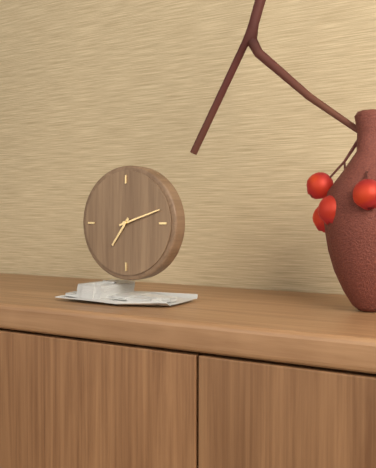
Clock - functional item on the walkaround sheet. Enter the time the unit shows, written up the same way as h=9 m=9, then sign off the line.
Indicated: h=7 m=12
